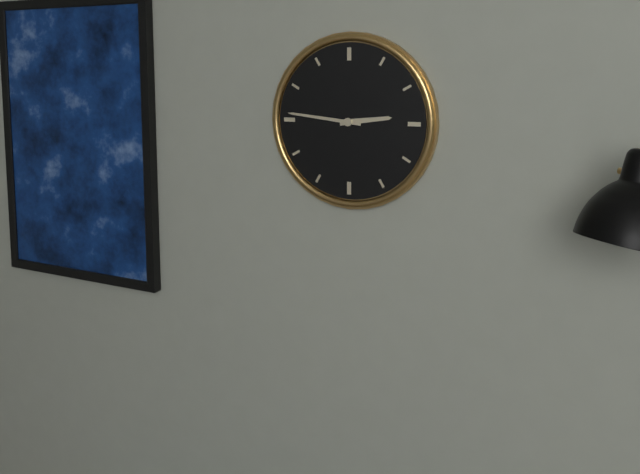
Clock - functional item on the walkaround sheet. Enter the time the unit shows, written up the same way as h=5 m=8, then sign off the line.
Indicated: h=2 m=46
